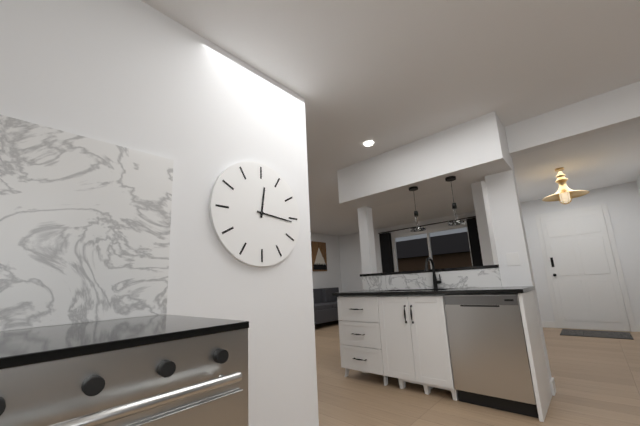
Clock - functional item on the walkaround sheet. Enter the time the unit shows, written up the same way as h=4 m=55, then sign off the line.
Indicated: h=12 m=16
